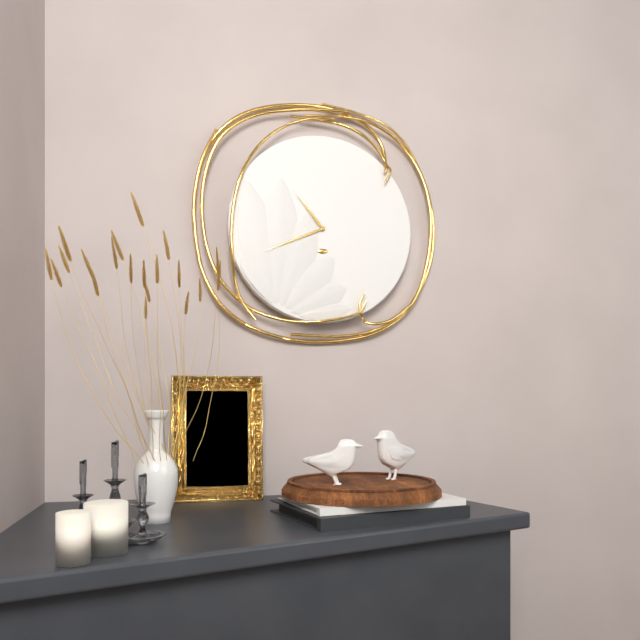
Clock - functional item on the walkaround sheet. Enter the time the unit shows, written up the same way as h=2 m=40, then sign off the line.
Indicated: h=10 m=41
